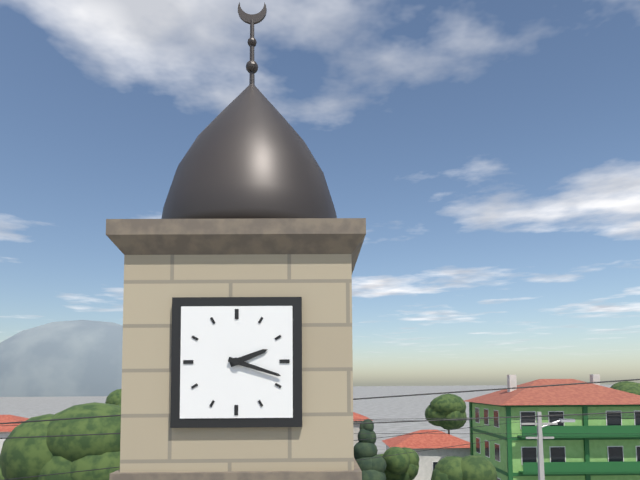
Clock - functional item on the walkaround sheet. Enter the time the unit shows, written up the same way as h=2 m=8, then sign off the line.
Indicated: h=2 m=18
